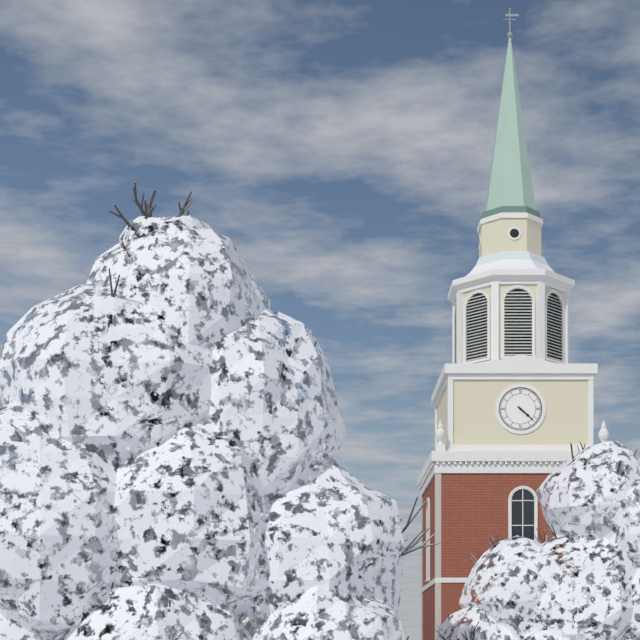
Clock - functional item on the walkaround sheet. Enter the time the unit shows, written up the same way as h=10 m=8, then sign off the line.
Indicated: h=4 m=22
